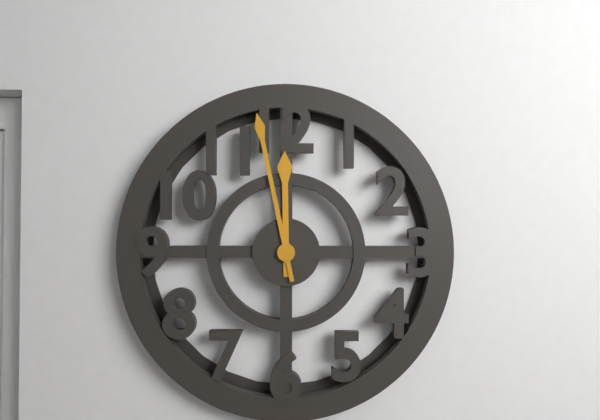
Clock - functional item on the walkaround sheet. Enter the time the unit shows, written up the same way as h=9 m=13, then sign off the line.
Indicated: h=11 m=58
